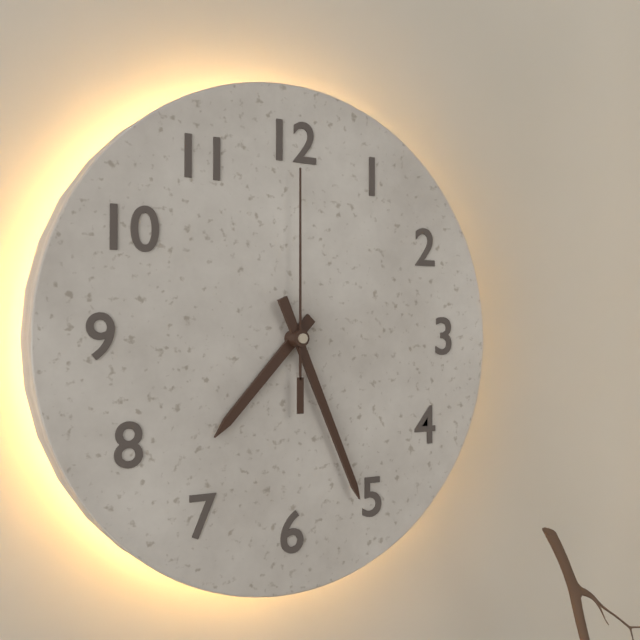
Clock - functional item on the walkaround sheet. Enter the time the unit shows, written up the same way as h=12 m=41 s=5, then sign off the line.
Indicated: h=7 m=26 s=0
